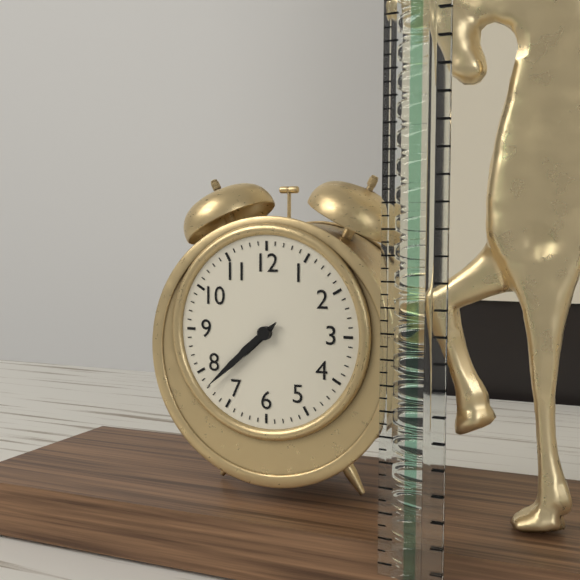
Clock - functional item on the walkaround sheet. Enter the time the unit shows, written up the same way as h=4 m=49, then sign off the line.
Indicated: h=7 m=38
